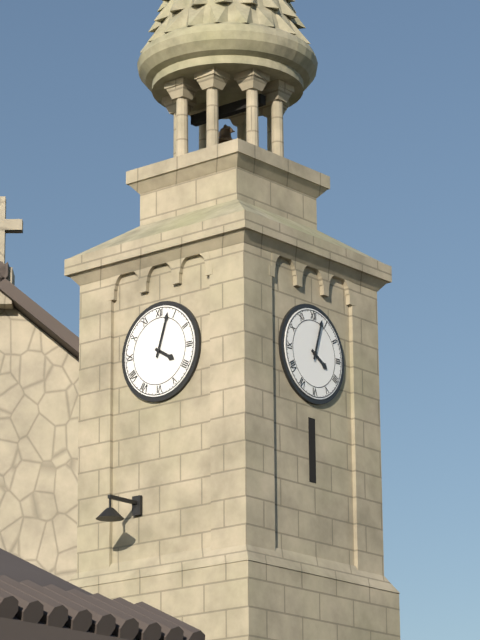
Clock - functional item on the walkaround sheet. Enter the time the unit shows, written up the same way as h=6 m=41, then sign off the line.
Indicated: h=4 m=3
